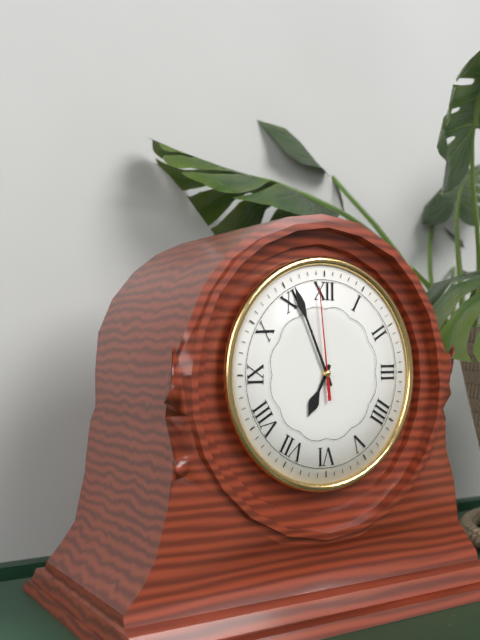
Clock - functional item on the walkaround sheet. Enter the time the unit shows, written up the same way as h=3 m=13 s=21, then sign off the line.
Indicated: h=6 m=56 s=59
